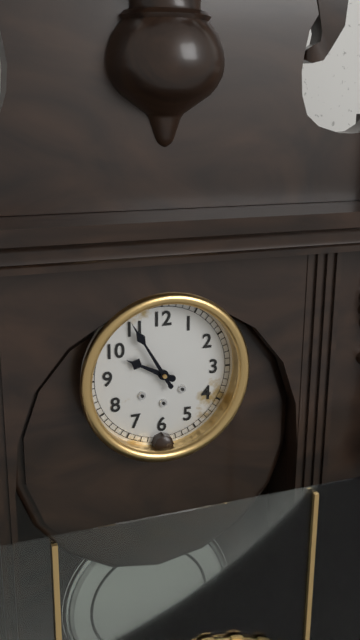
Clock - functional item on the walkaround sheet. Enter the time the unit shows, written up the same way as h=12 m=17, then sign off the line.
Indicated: h=9 m=55
